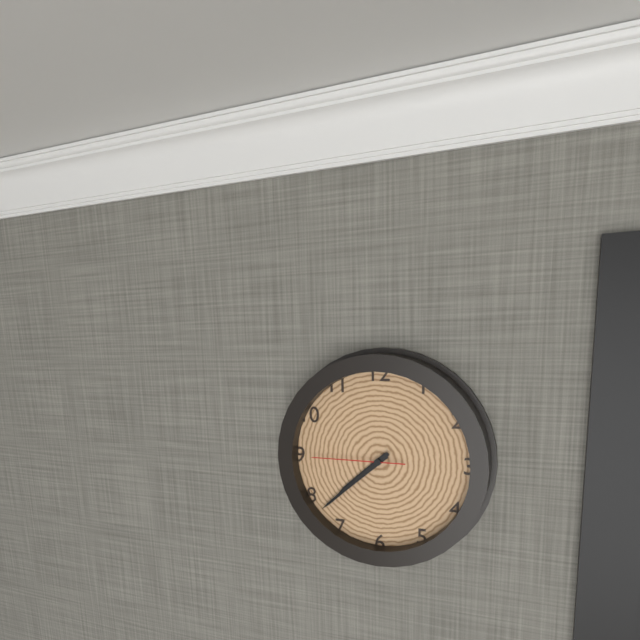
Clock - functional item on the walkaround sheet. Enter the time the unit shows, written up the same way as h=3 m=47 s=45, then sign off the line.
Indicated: h=7 m=38 s=45
